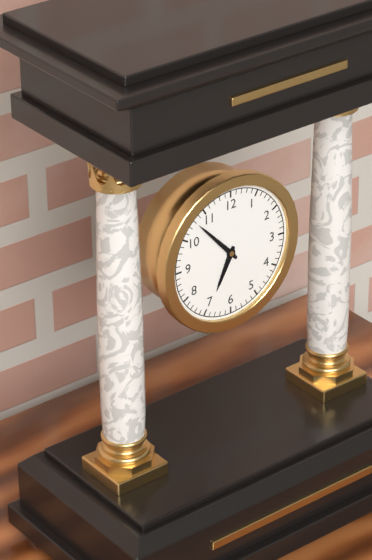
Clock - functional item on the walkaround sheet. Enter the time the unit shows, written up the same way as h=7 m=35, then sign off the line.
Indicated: h=6 m=53
